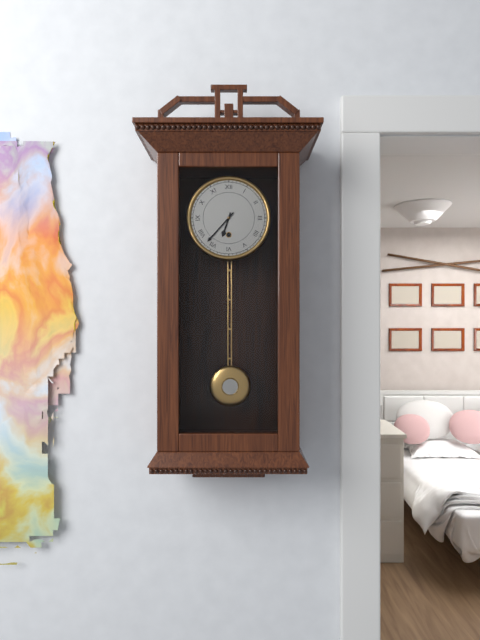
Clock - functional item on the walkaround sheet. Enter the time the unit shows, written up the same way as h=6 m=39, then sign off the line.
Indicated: h=6 m=37
